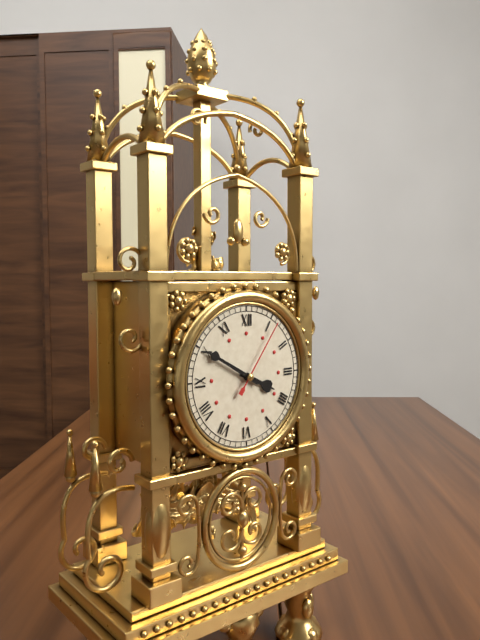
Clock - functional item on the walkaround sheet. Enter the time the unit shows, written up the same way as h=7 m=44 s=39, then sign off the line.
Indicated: h=3 m=50 s=6
